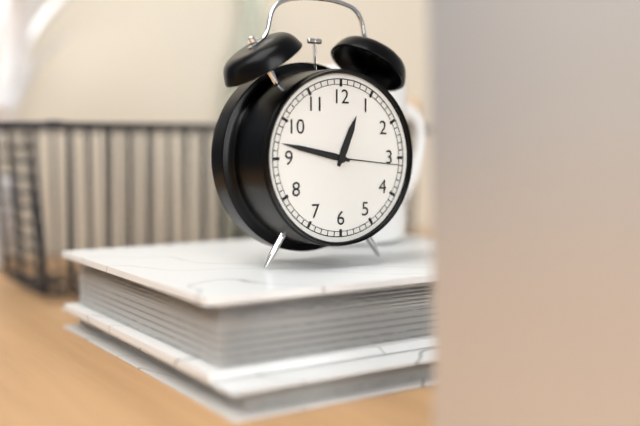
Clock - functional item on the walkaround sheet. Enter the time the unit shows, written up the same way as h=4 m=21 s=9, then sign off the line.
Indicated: h=12 m=47 s=16
